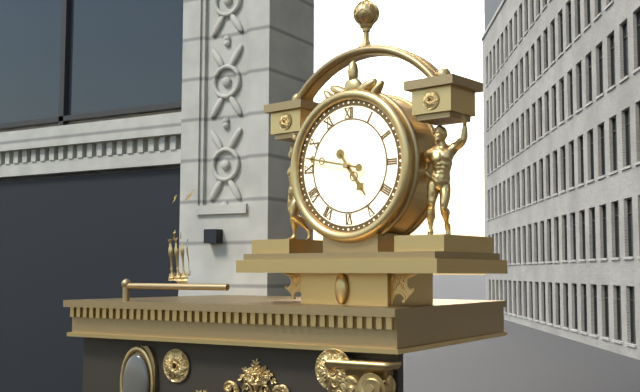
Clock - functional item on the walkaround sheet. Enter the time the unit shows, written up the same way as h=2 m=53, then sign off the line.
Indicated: h=4 m=47
